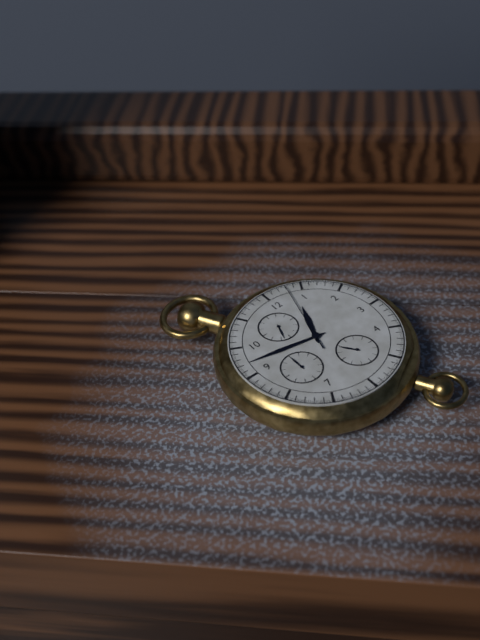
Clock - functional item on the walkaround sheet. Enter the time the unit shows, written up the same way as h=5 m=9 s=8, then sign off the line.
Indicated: h=12 m=47 s=3
